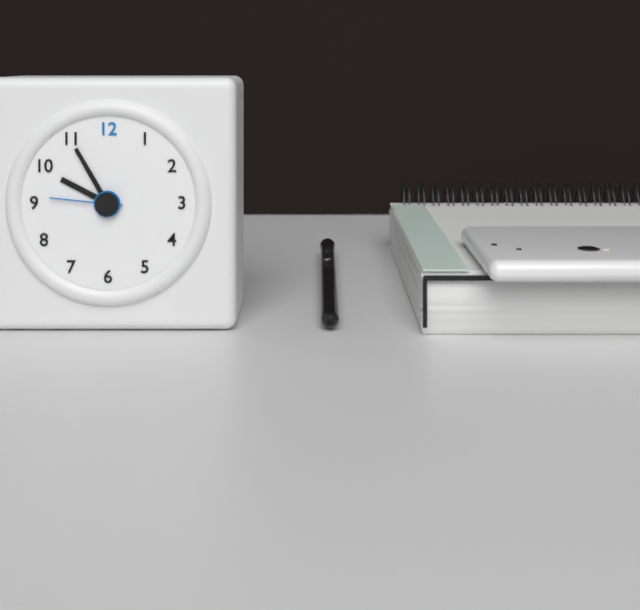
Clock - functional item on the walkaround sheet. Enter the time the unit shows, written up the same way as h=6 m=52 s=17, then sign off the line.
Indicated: h=9 m=55 s=46
